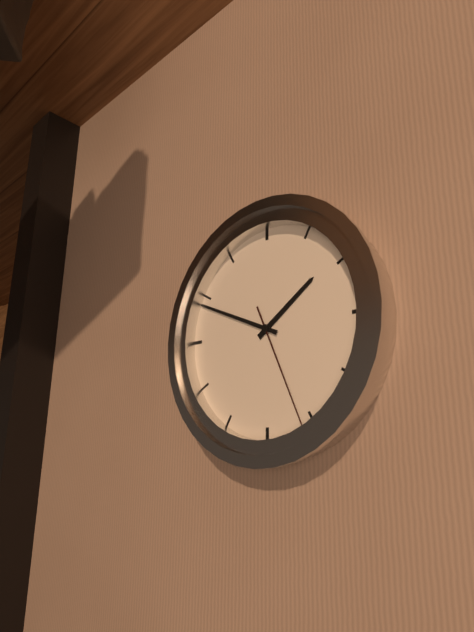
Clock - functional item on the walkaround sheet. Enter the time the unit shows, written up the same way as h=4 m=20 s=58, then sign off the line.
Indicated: h=1 m=49 s=26
